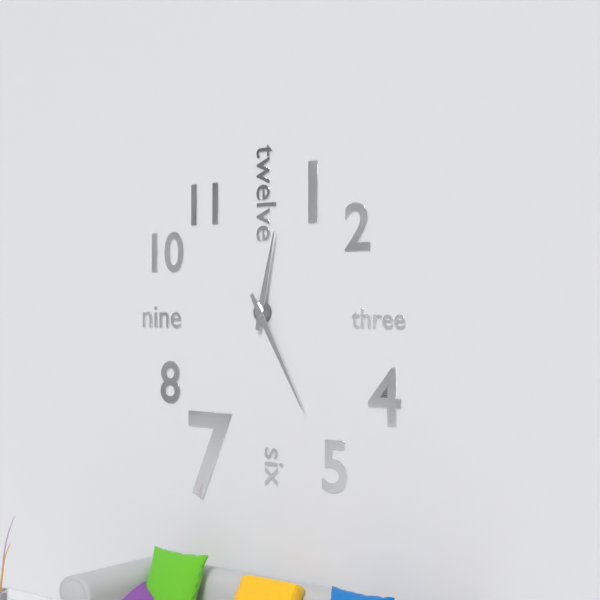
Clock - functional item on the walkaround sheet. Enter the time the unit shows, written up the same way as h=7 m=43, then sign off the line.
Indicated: h=12 m=25
